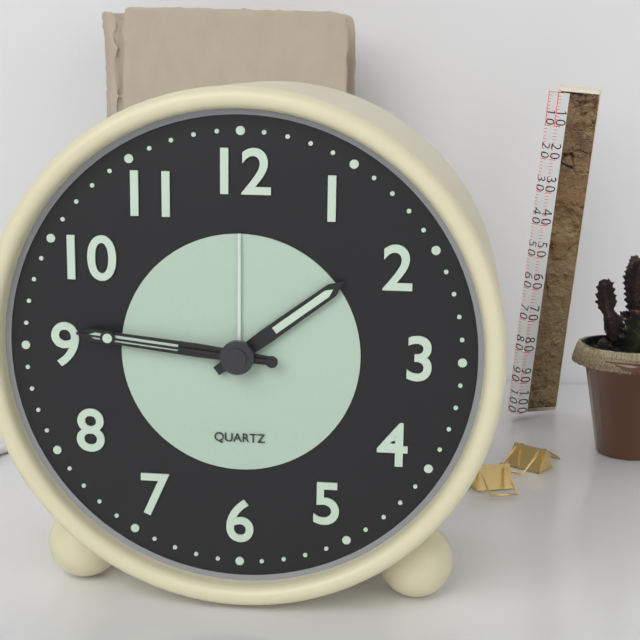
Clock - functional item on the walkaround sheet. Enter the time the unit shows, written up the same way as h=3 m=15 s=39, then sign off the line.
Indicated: h=1 m=46 s=46
